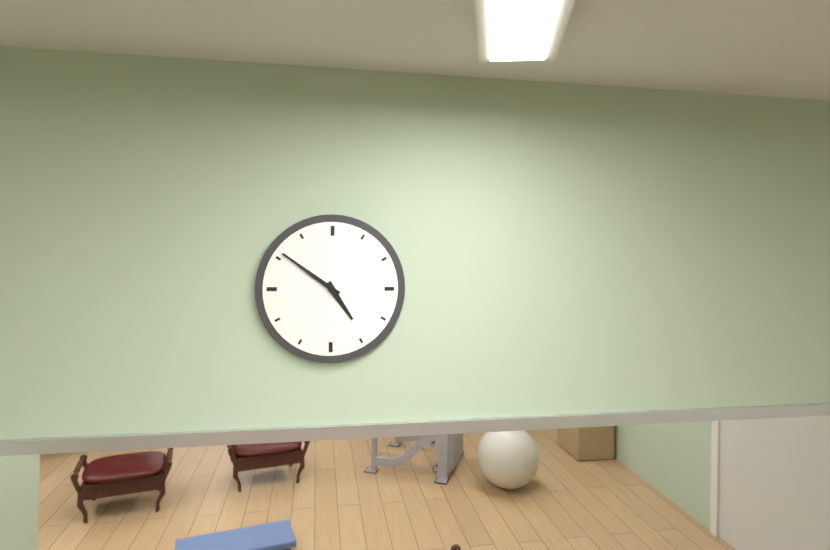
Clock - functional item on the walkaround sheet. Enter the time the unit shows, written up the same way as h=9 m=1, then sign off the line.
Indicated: h=4 m=51
